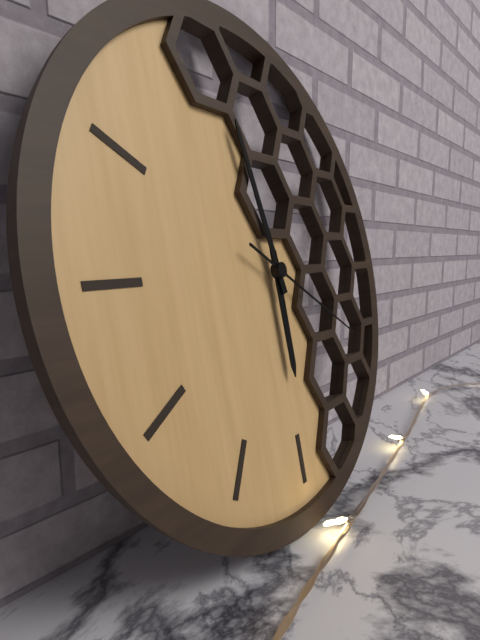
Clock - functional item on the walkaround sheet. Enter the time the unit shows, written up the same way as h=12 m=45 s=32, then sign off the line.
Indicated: h=5 m=58 s=20
